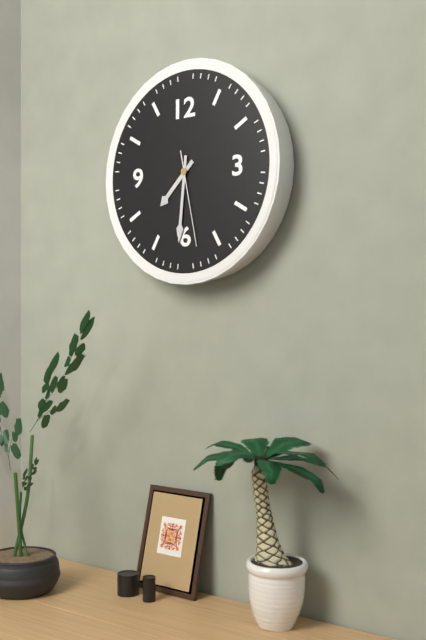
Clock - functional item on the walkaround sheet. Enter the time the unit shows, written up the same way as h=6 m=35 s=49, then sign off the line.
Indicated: h=7 m=31 s=28
